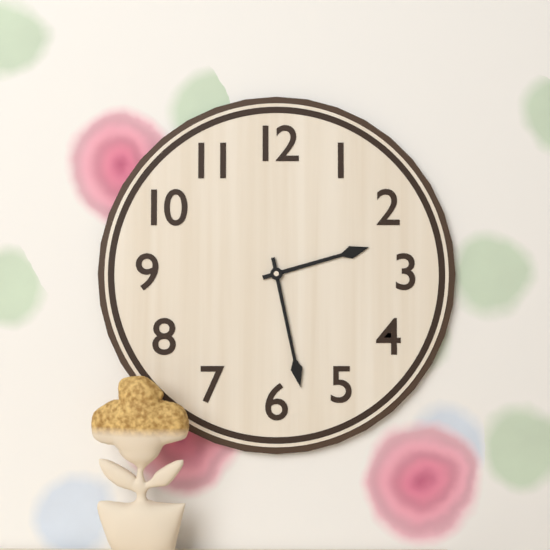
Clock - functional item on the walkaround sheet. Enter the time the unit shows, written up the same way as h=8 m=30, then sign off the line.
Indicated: h=2 m=28
